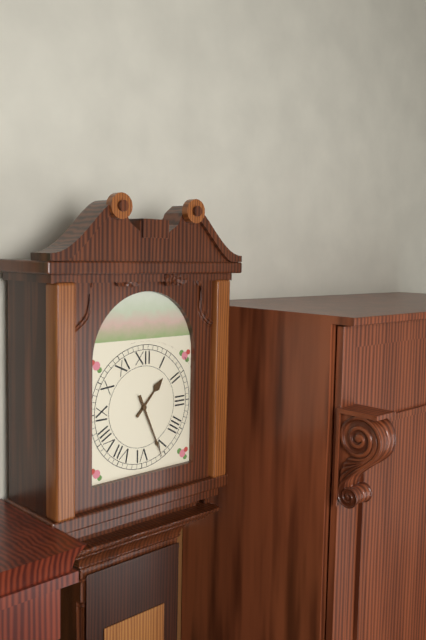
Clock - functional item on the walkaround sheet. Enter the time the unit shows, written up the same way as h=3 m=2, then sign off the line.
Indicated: h=1 m=26
